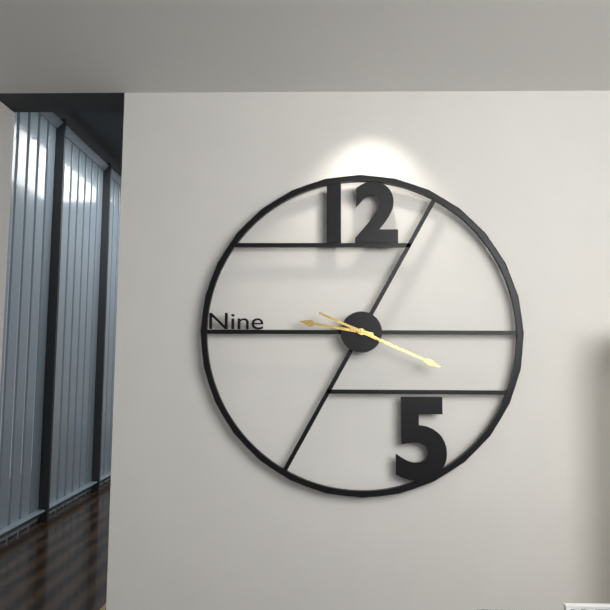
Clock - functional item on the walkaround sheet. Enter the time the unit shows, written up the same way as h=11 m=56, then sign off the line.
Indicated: h=9 m=19
